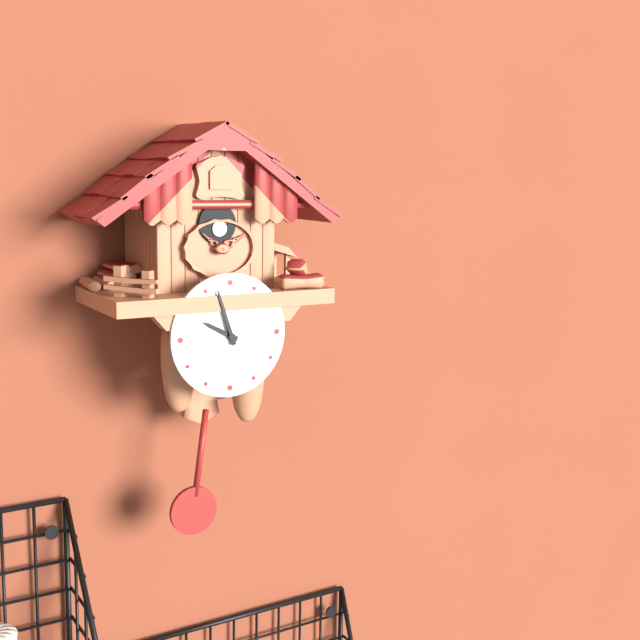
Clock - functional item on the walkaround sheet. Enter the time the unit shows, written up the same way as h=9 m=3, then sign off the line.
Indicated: h=9 m=57
